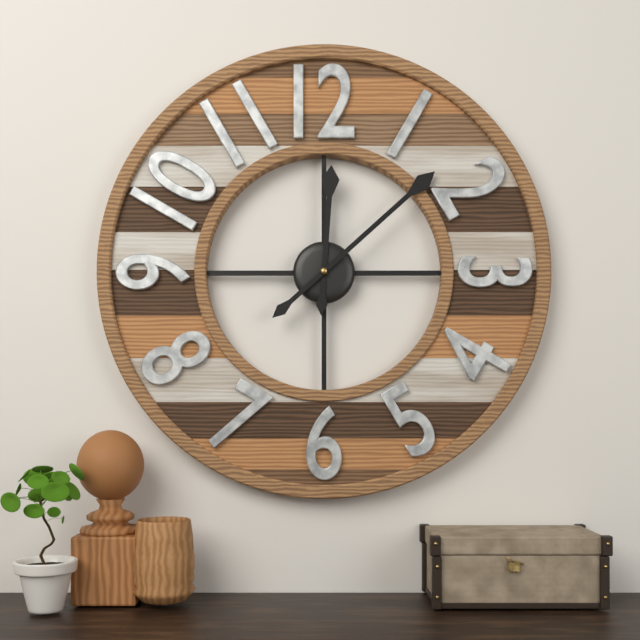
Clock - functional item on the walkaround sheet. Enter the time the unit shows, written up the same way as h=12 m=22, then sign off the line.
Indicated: h=12 m=8
